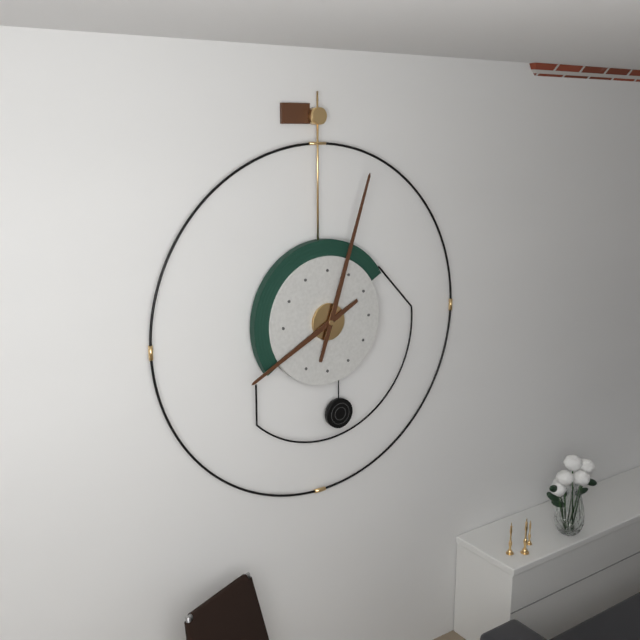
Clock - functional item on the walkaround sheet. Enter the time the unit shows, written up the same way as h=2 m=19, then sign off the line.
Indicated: h=8 m=3
